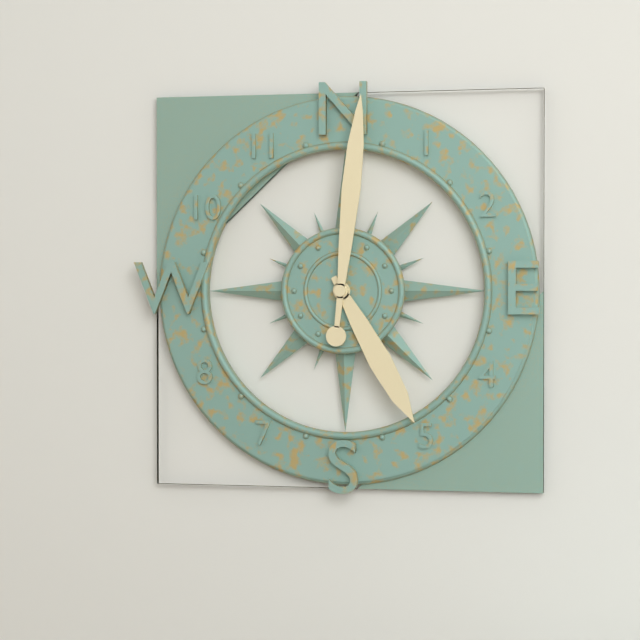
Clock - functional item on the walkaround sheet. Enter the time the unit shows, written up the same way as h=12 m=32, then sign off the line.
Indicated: h=5 m=1
